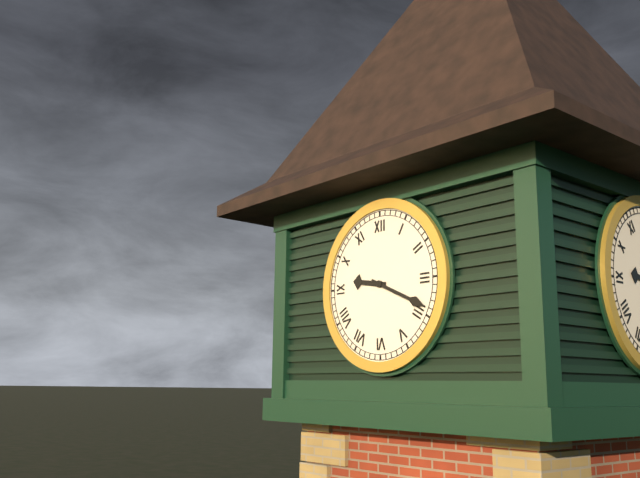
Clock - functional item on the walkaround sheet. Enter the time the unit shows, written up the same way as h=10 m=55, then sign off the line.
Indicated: h=9 m=19
